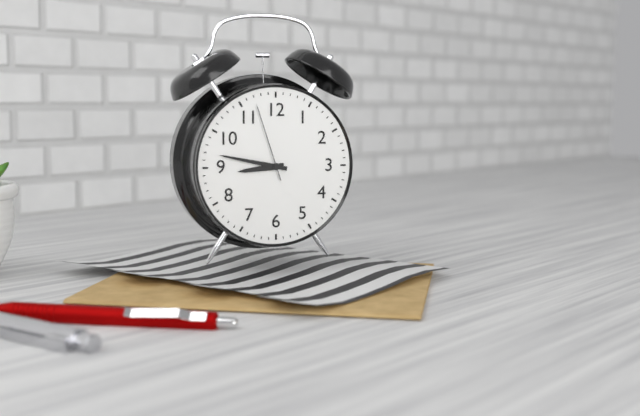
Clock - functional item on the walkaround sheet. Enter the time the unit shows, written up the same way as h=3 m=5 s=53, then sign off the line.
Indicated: h=8 m=47 s=57
